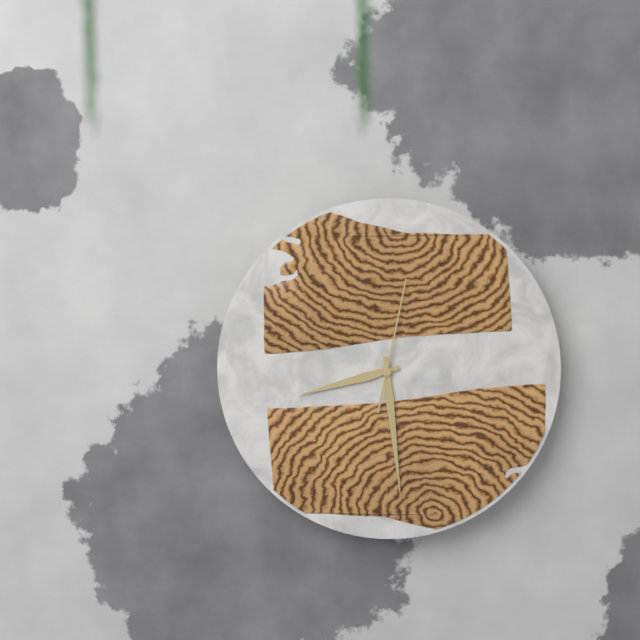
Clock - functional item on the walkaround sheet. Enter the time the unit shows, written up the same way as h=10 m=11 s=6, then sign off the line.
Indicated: h=8 m=29 s=2
